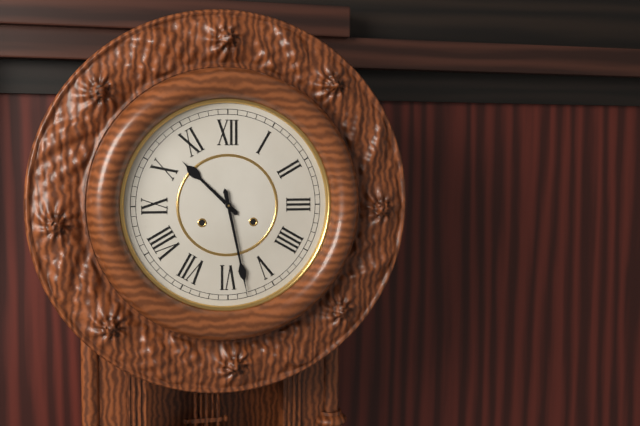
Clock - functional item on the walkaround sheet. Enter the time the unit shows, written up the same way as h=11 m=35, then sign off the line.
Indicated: h=10 m=28
